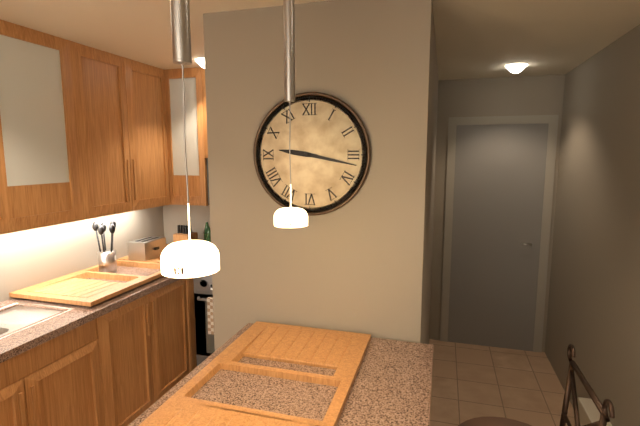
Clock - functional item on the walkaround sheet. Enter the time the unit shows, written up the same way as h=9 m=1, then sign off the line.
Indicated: h=9 m=17
